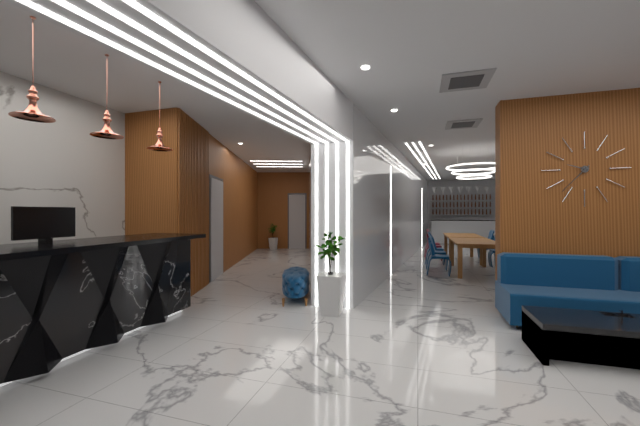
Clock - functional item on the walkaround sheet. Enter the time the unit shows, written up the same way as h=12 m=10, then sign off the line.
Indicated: h=9 m=37
